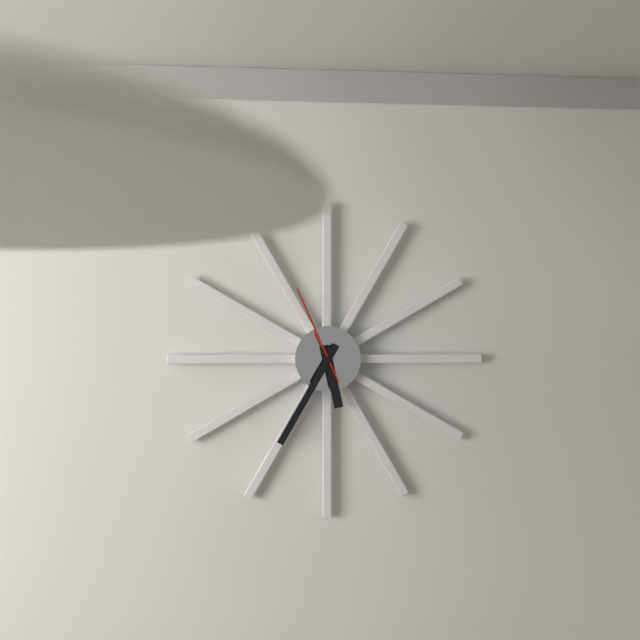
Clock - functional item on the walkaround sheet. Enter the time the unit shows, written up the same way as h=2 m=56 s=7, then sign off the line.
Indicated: h=5 m=35 s=56
